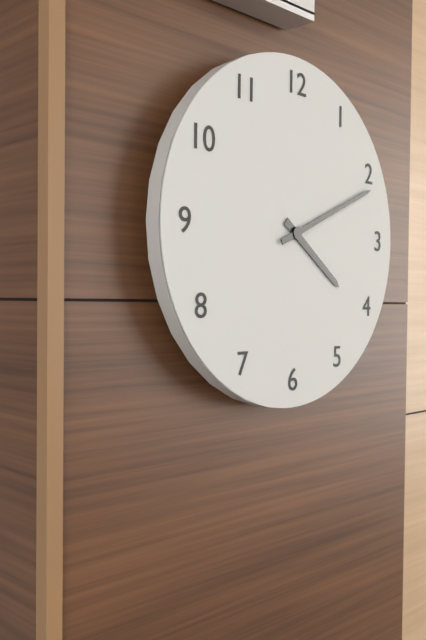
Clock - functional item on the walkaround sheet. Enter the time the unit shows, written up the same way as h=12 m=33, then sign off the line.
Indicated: h=4 m=11
